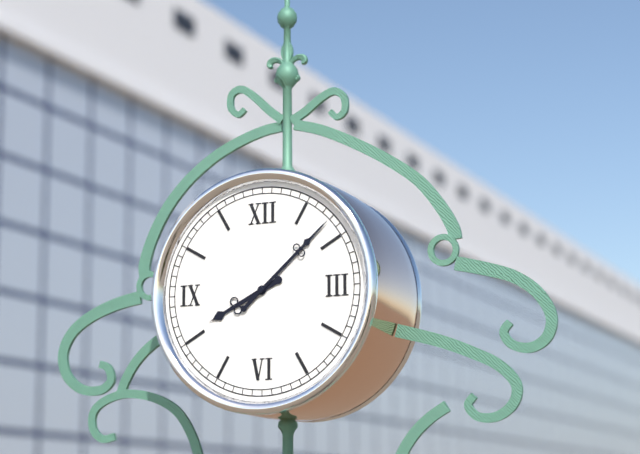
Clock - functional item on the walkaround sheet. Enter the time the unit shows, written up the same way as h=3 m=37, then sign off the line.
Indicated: h=8 m=8
